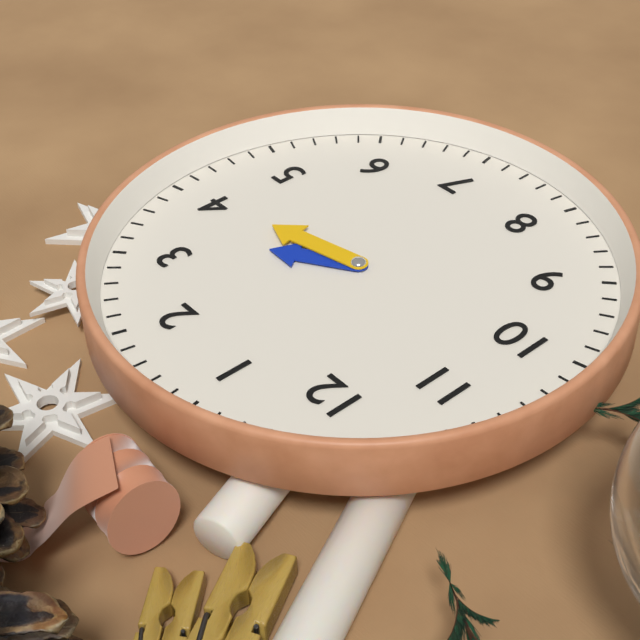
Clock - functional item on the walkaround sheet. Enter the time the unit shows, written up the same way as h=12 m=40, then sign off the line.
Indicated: h=3 m=20
